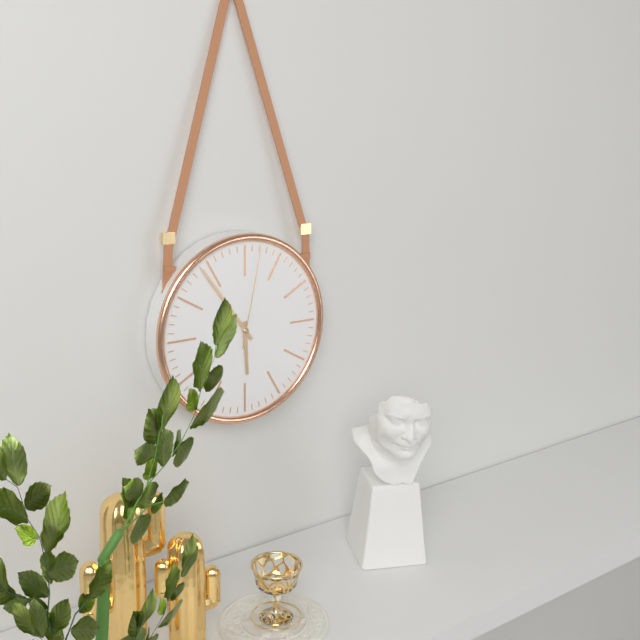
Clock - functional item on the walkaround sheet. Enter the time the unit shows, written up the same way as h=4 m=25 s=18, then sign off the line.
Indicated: h=5 m=54 s=2
